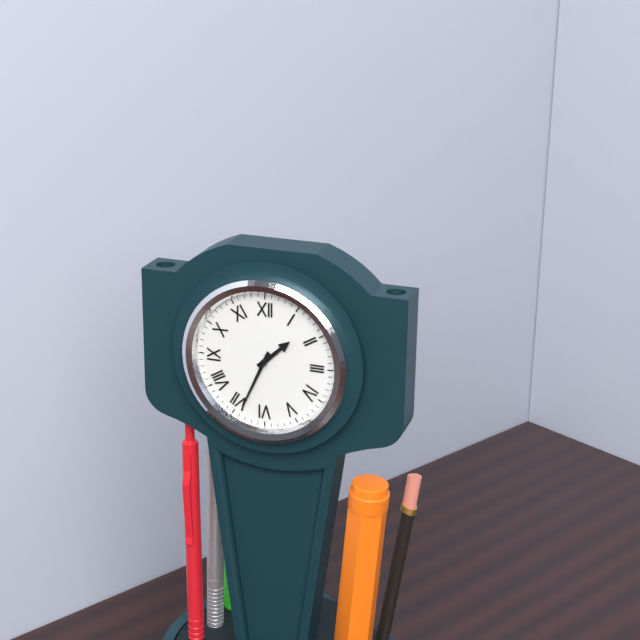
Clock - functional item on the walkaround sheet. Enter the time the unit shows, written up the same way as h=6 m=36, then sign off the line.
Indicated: h=1 m=34
